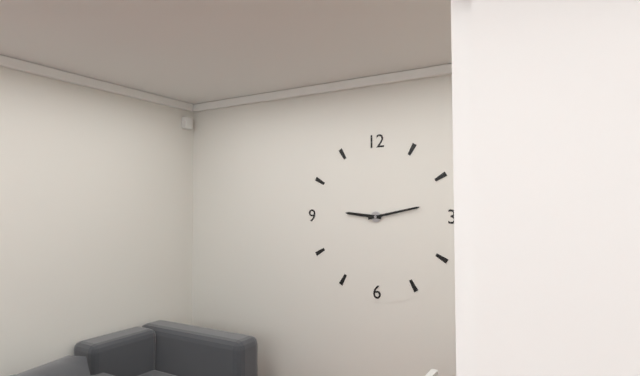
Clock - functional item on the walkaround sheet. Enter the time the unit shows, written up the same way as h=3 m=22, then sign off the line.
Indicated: h=9 m=13
